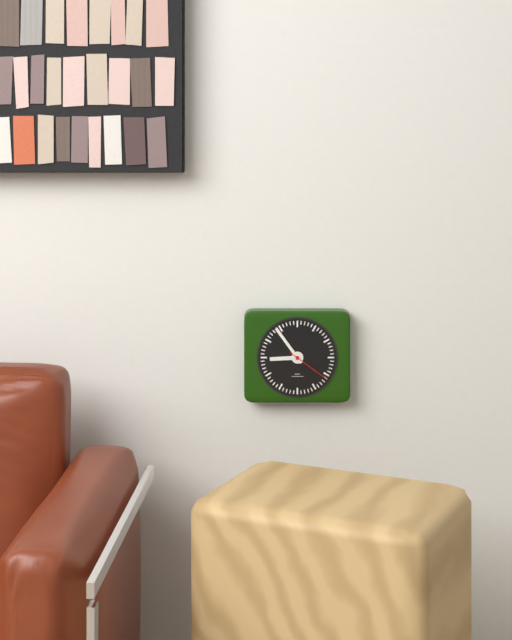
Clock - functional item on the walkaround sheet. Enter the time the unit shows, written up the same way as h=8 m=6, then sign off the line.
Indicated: h=8 m=54
